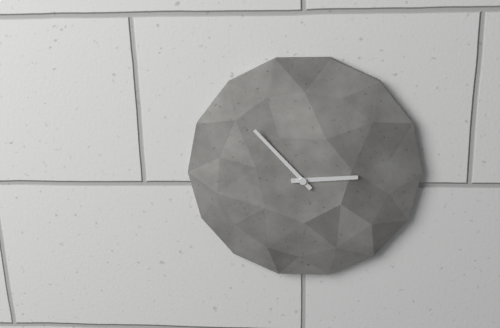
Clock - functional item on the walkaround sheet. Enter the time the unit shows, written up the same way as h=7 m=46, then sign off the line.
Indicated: h=2 m=53
